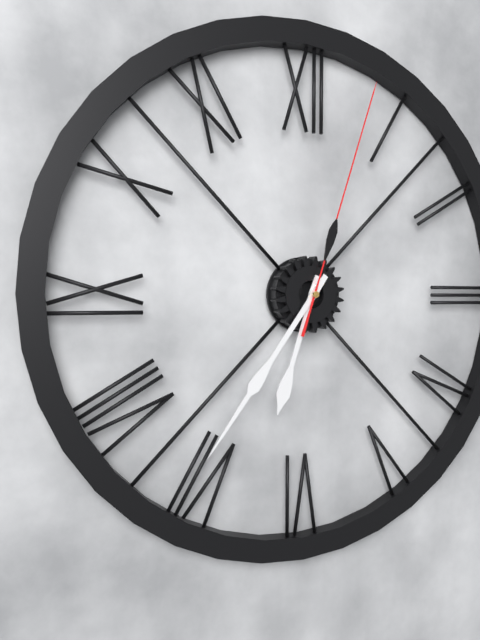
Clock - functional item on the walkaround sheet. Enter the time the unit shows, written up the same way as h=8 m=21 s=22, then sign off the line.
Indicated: h=6 m=36 s=3
